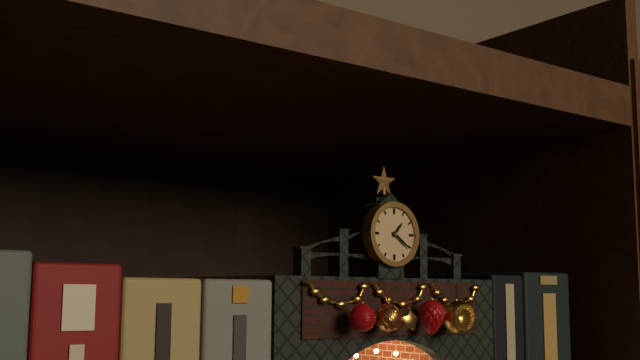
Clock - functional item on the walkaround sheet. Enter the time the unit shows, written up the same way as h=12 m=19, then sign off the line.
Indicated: h=1 m=21
